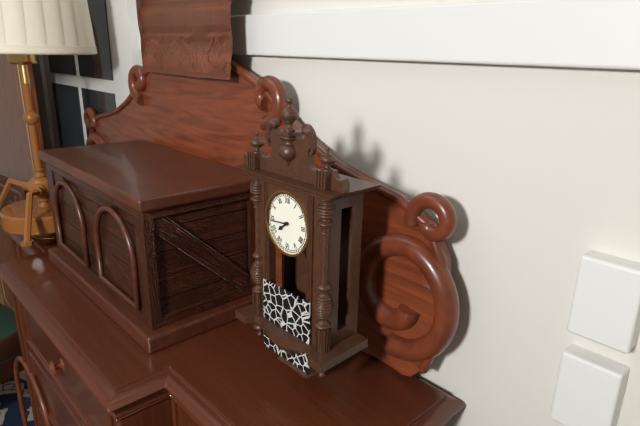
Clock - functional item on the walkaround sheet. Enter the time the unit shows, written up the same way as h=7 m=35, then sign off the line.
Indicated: h=7 m=44
